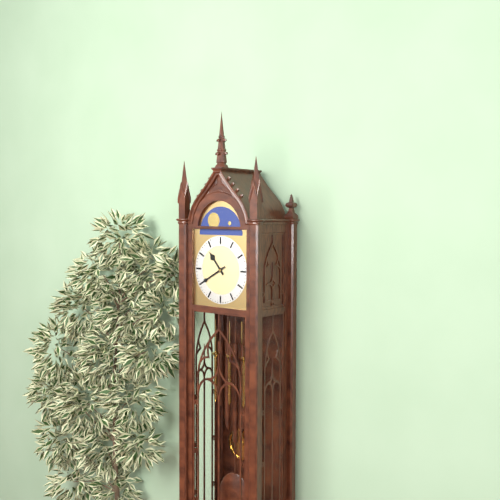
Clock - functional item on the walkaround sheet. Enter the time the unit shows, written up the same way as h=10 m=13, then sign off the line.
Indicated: h=10 m=40
